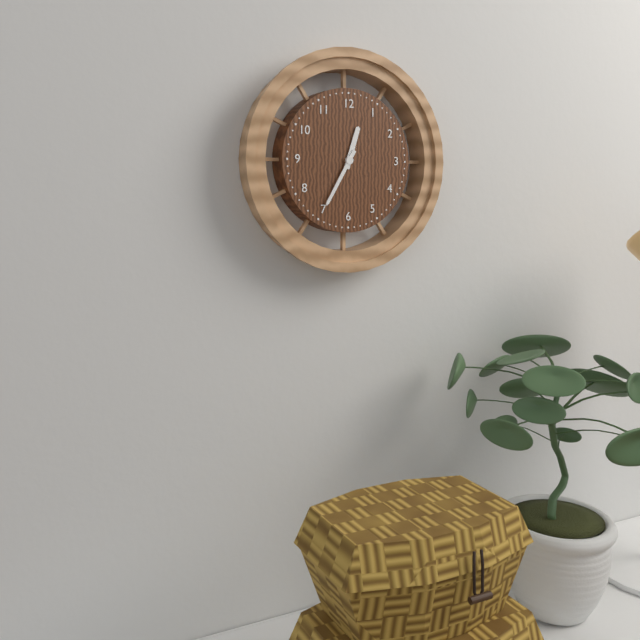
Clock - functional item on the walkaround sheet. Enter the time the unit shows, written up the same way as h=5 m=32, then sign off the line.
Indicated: h=12 m=35
